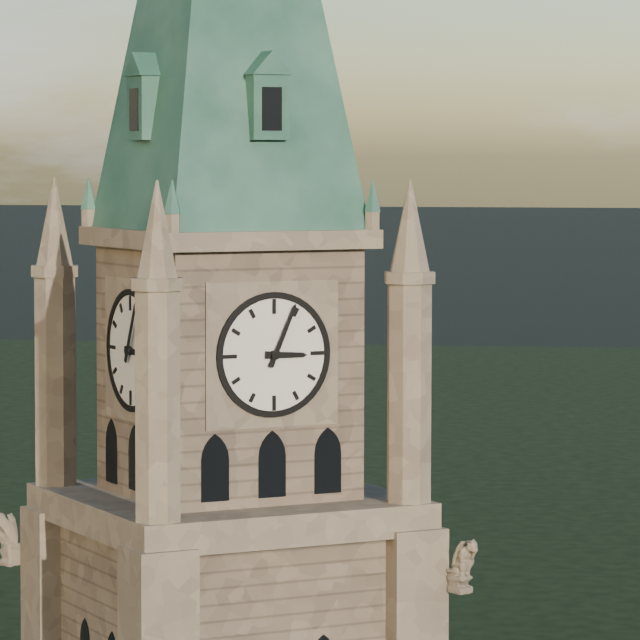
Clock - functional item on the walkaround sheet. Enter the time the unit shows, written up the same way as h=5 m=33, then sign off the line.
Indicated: h=3 m=4
